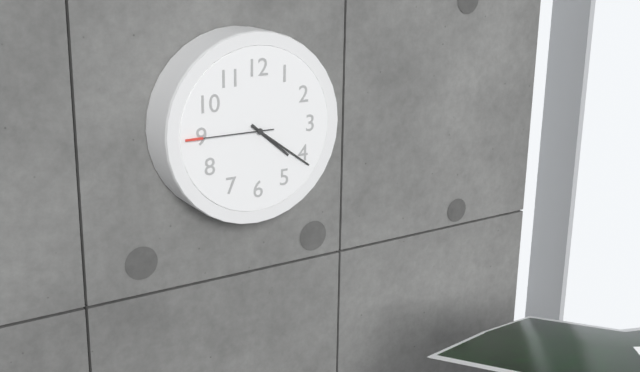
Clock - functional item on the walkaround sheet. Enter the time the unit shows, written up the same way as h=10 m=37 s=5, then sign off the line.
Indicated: h=4 m=21 s=45
